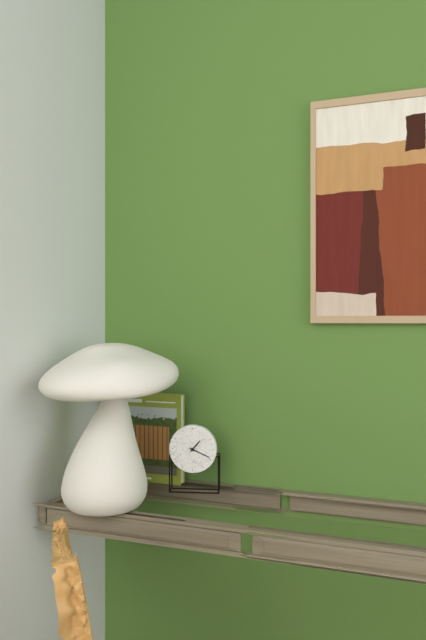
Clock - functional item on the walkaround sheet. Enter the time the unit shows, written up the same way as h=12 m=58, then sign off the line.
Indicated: h=1 m=19
